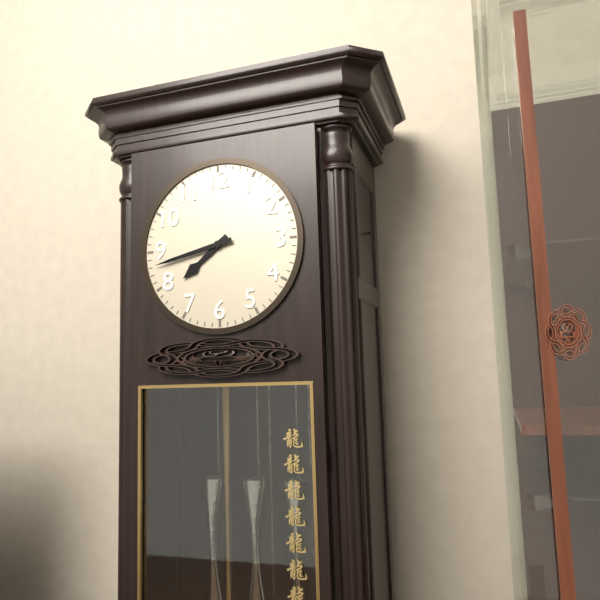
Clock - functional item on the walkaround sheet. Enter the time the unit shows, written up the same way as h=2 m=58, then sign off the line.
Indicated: h=7 m=43
